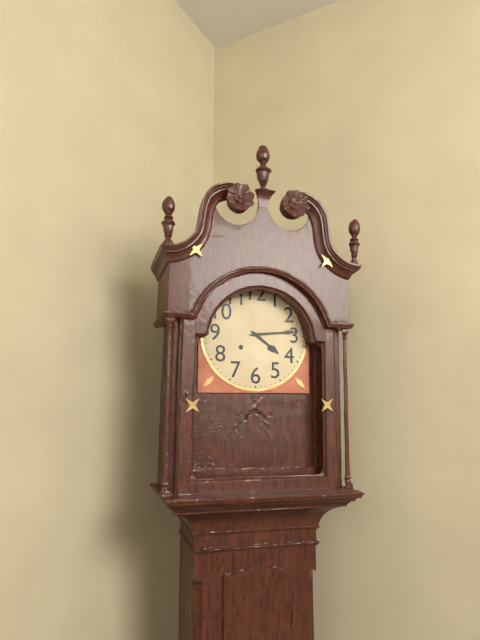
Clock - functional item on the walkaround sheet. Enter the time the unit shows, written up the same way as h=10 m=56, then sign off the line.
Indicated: h=4 m=14
